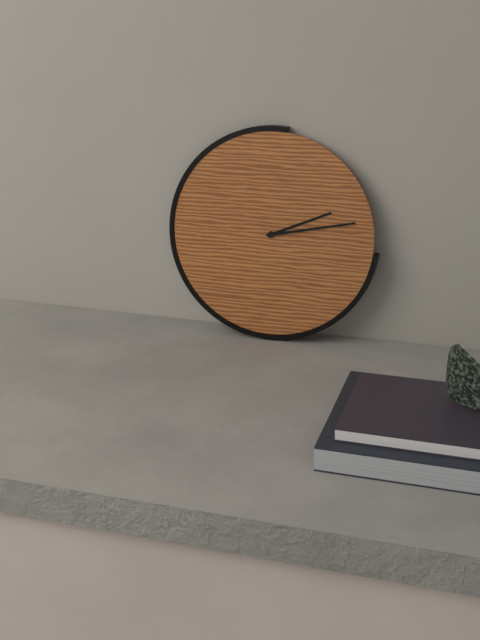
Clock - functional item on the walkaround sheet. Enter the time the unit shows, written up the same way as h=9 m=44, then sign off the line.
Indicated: h=2 m=13
